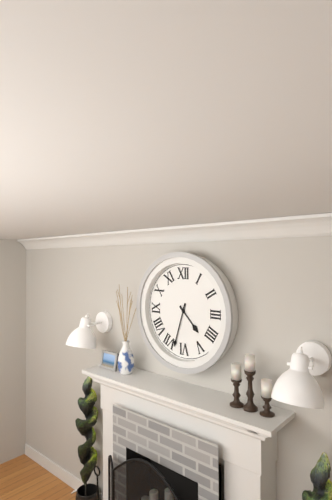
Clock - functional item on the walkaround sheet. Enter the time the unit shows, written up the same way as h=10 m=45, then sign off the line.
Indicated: h=4 m=33
